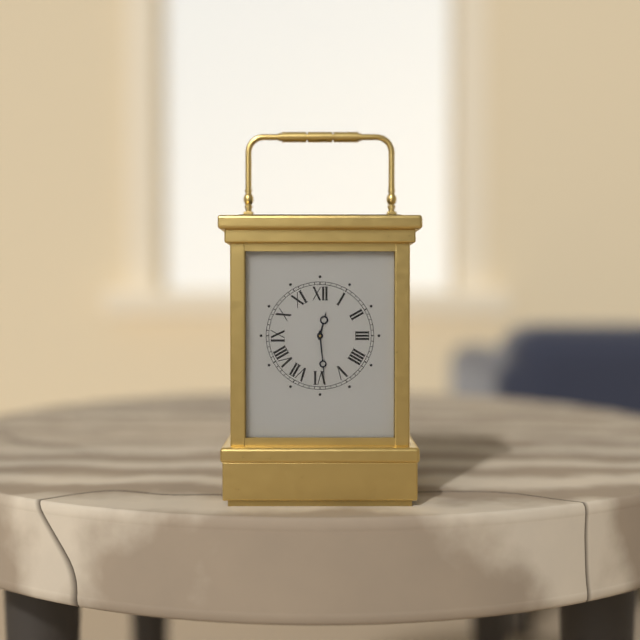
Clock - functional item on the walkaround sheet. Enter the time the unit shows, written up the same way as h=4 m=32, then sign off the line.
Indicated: h=12 m=29
